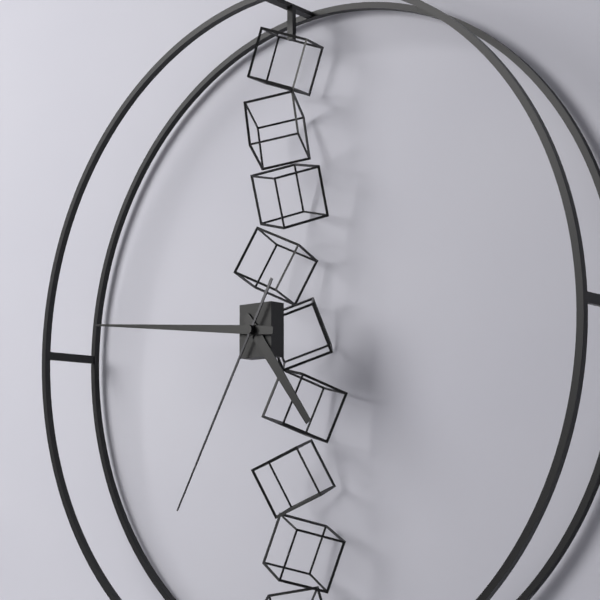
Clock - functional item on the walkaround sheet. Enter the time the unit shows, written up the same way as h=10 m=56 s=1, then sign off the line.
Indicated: h=4 m=46 s=35
